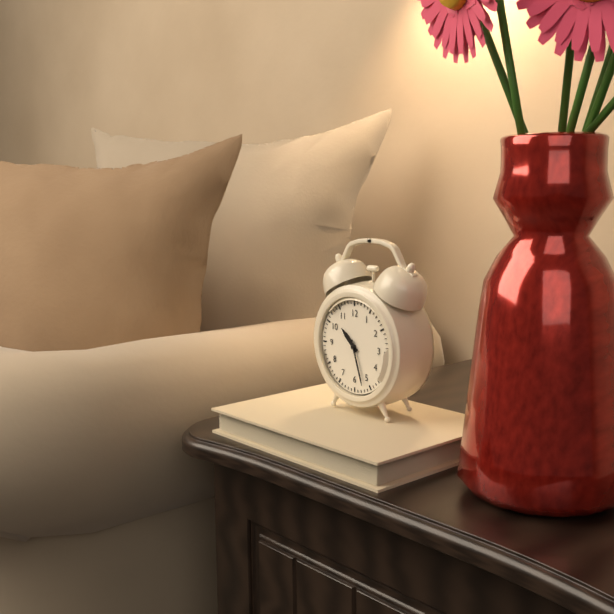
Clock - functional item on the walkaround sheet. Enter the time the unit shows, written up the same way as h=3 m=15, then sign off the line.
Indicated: h=10 m=27
